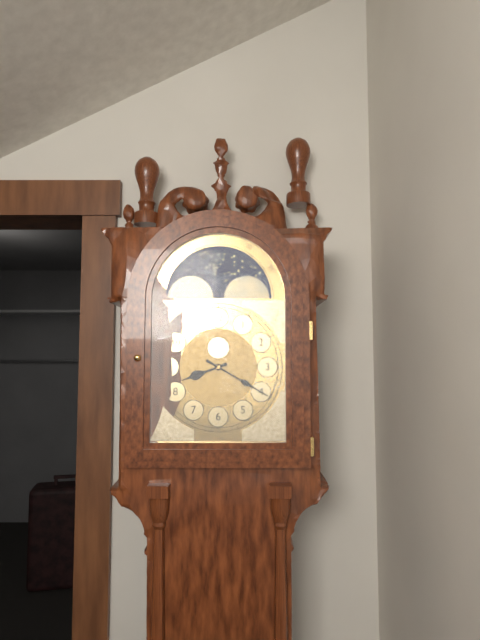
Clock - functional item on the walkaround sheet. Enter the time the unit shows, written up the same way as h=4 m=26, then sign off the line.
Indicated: h=8 m=20
